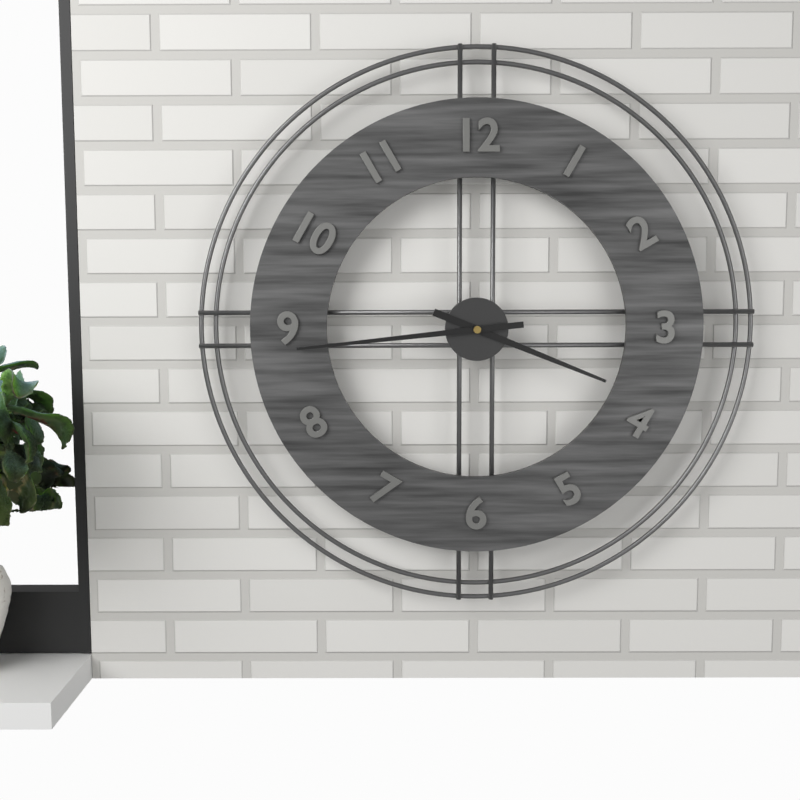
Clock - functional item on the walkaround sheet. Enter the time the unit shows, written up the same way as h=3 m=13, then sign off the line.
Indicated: h=3 m=44
